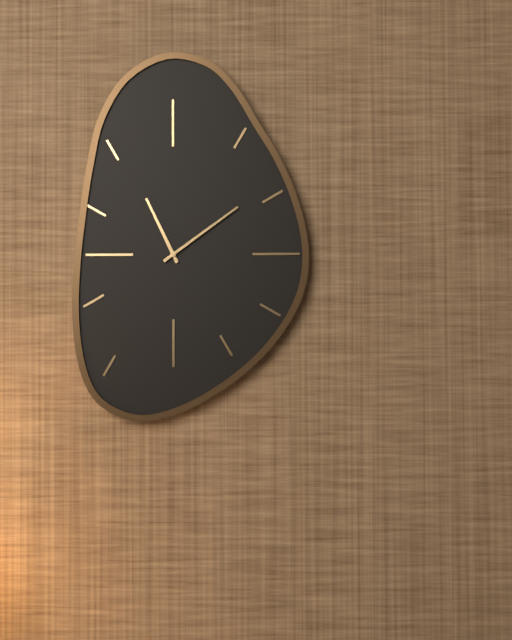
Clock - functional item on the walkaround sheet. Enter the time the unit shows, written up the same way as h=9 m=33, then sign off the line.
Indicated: h=11 m=9
